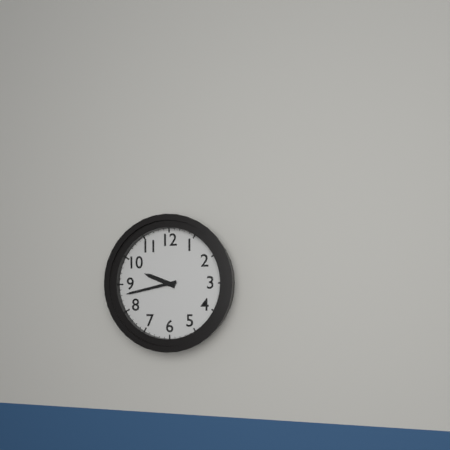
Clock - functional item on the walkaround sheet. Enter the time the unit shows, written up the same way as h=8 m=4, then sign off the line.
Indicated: h=9 m=43
